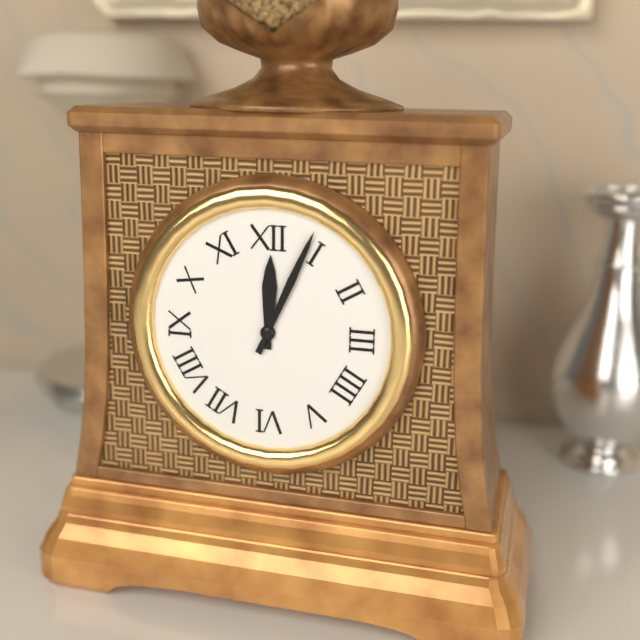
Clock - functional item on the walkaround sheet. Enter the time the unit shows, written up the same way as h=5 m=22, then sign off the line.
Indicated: h=12 m=4
